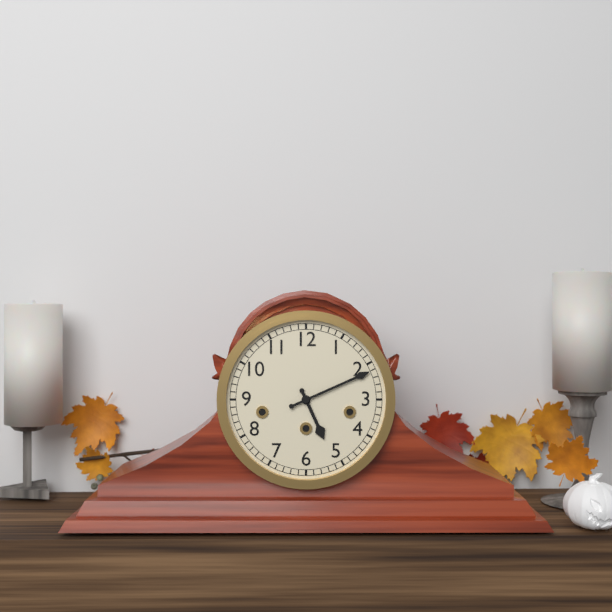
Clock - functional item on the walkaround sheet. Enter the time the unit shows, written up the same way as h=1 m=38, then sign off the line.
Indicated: h=5 m=11
